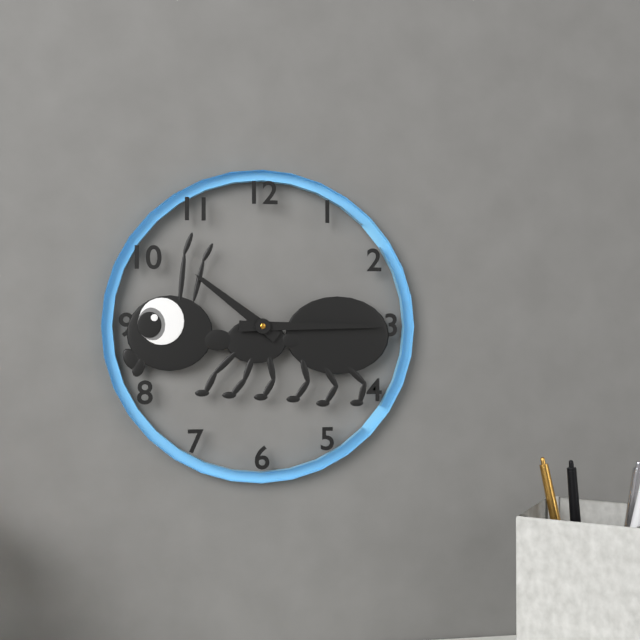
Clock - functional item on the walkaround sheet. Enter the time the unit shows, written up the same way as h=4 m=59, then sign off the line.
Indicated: h=10 m=15
